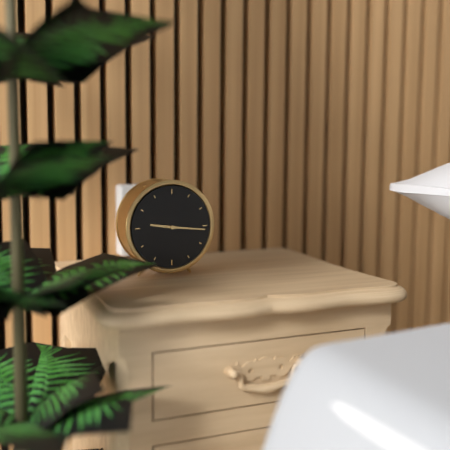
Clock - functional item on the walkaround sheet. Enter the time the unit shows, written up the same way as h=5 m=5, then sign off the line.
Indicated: h=9 m=16
